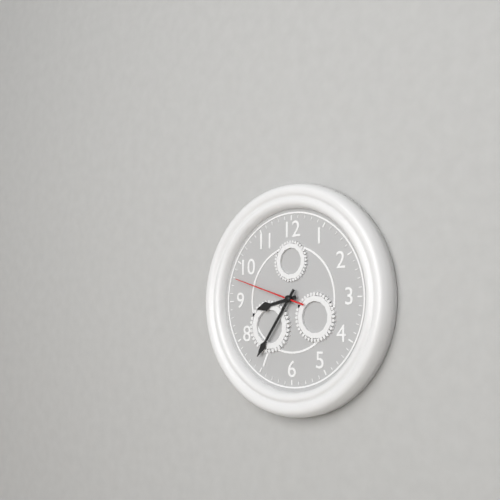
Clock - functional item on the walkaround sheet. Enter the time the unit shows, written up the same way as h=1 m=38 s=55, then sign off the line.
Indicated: h=8 m=36 s=48
